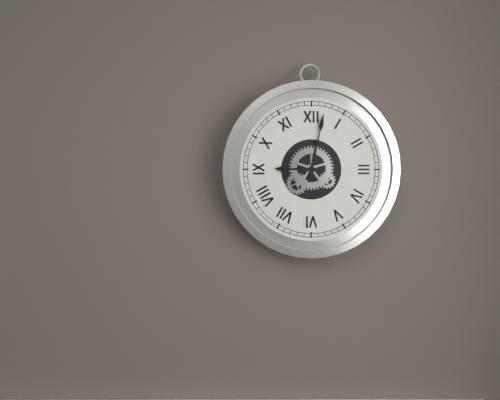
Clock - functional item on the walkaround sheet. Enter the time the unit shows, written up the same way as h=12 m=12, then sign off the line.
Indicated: h=9 m=2
